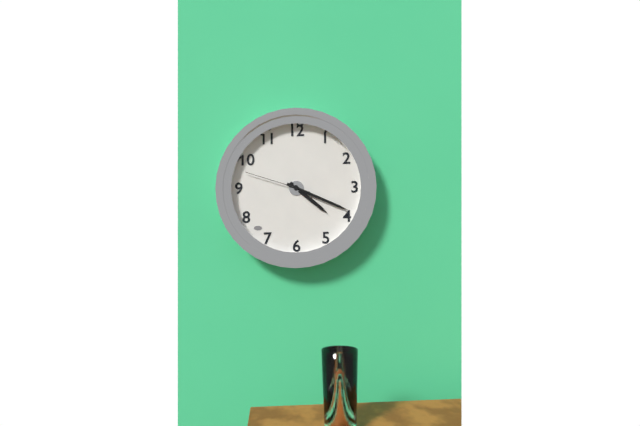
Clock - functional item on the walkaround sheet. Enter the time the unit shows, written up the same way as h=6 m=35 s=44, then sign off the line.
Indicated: h=4 m=19 s=48
